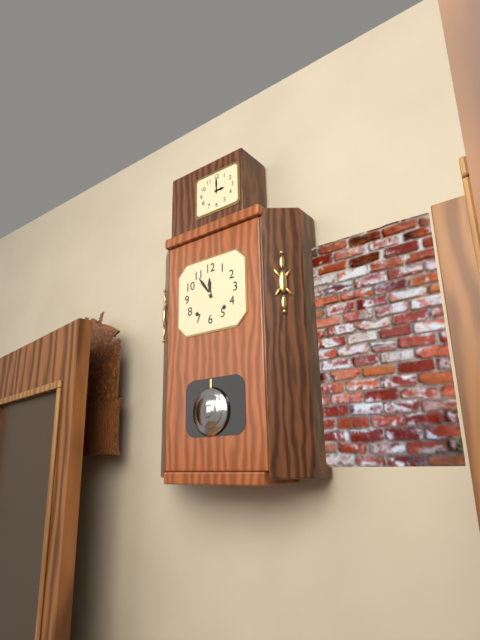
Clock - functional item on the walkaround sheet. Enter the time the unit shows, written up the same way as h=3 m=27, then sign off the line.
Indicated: h=11 m=54
